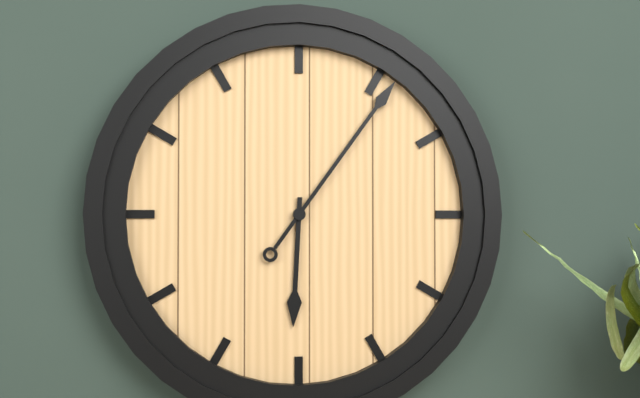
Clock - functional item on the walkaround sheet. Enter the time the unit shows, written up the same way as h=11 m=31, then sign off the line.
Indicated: h=6 m=6
